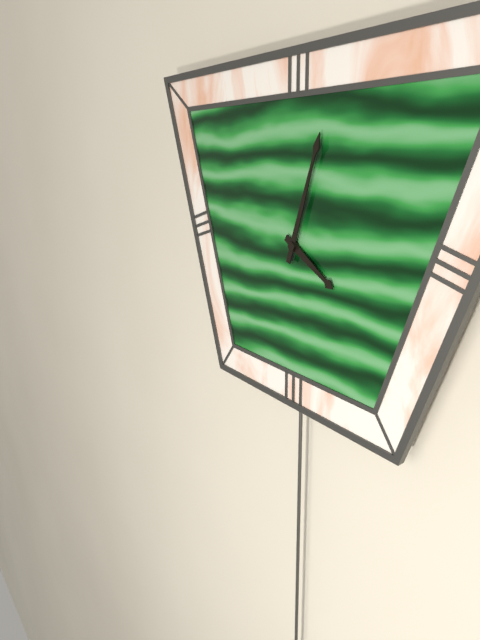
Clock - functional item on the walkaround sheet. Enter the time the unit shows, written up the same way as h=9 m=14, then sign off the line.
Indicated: h=4 m=3
